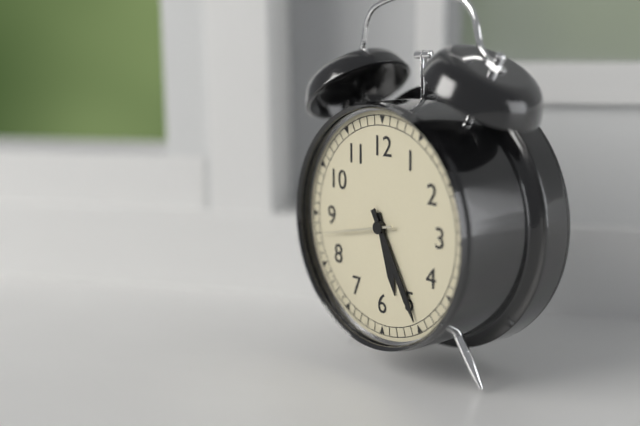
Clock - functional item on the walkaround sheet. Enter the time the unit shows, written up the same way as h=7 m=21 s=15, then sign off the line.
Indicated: h=5 m=25 s=43
